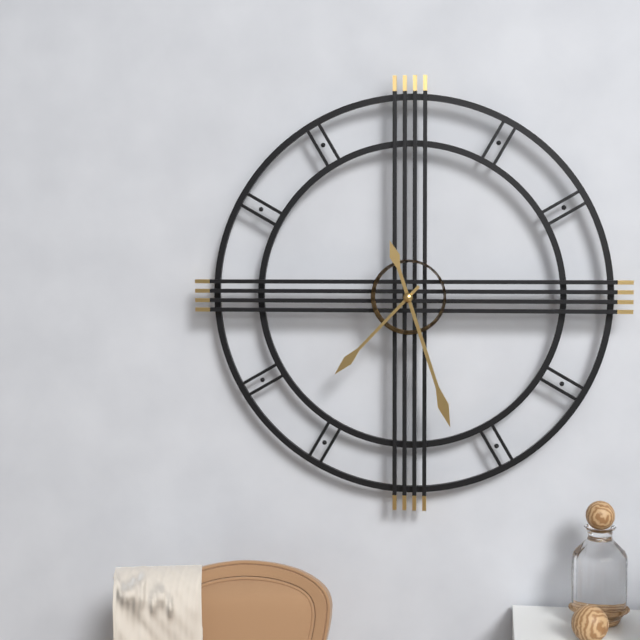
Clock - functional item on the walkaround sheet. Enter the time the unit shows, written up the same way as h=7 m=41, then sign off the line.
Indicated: h=7 m=27
